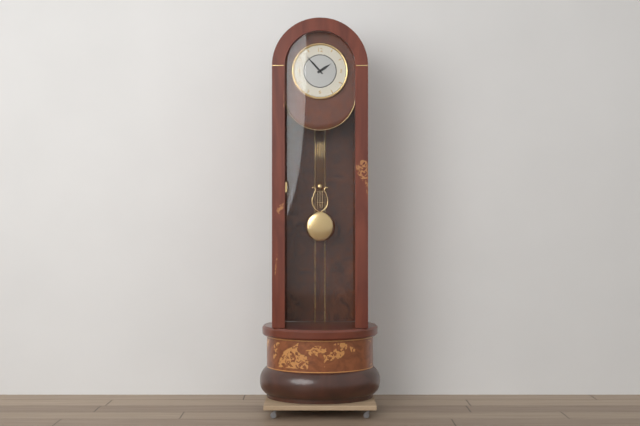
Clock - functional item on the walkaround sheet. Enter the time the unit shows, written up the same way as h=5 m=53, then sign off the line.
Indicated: h=1 m=53
